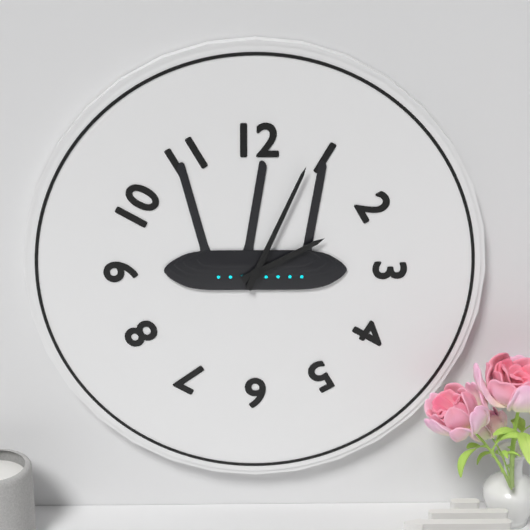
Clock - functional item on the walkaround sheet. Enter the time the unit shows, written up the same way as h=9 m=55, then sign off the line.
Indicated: h=2 m=4
